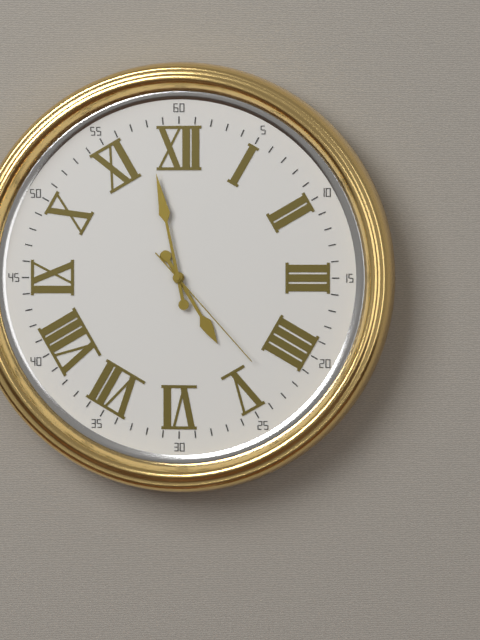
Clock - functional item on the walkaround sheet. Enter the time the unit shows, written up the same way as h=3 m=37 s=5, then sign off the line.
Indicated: h=4 m=58 s=23
